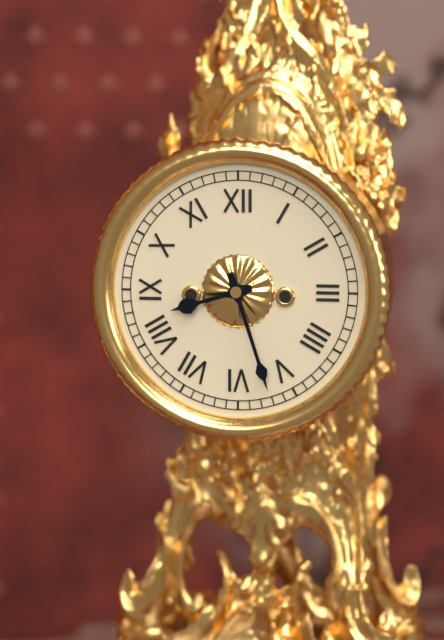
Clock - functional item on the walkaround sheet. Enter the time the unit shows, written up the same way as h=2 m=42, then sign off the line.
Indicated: h=8 m=27
